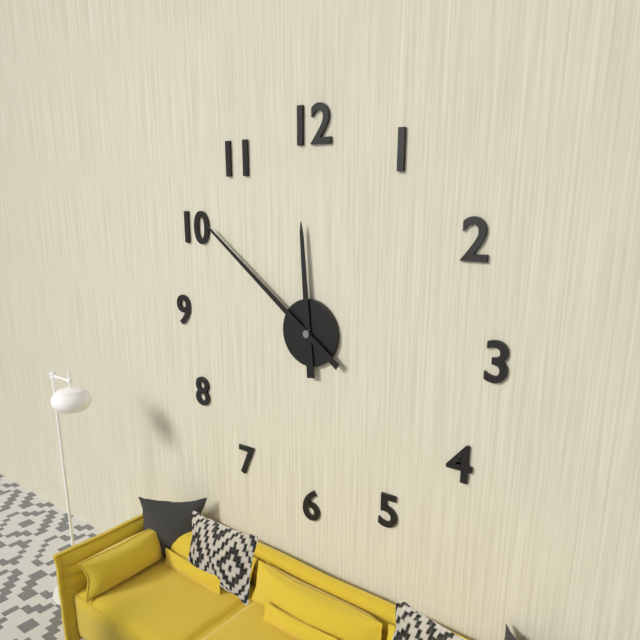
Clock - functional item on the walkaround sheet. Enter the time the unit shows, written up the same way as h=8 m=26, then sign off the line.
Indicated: h=11 m=51
